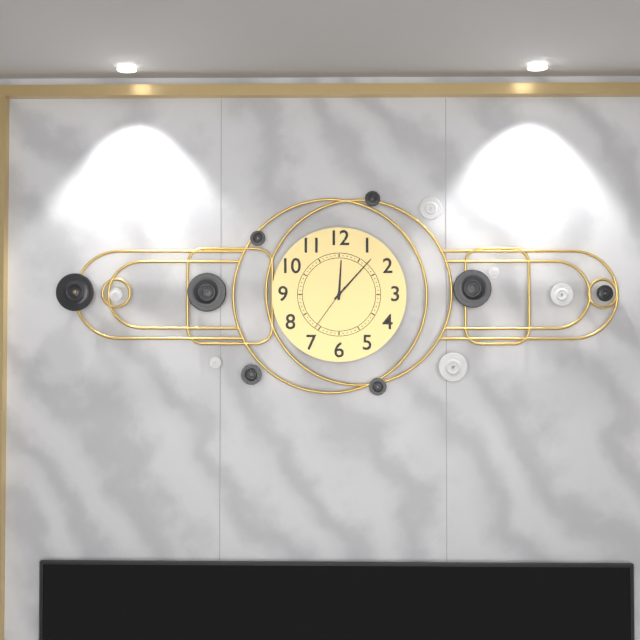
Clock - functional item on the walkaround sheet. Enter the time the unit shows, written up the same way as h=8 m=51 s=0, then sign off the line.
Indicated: h=12 m=7 s=36
